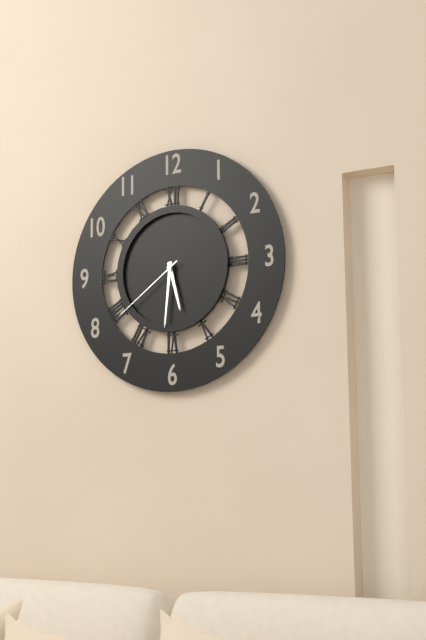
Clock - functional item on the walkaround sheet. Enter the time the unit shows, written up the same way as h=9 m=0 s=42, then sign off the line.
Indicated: h=5 m=31 s=39
